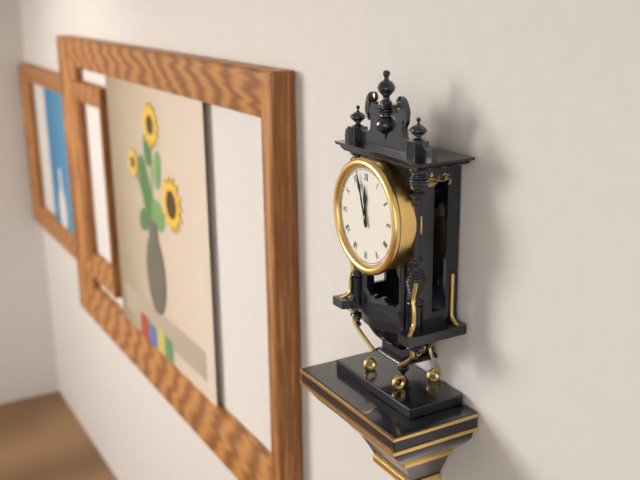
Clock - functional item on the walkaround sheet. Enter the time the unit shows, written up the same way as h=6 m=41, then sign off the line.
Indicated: h=11 m=57
